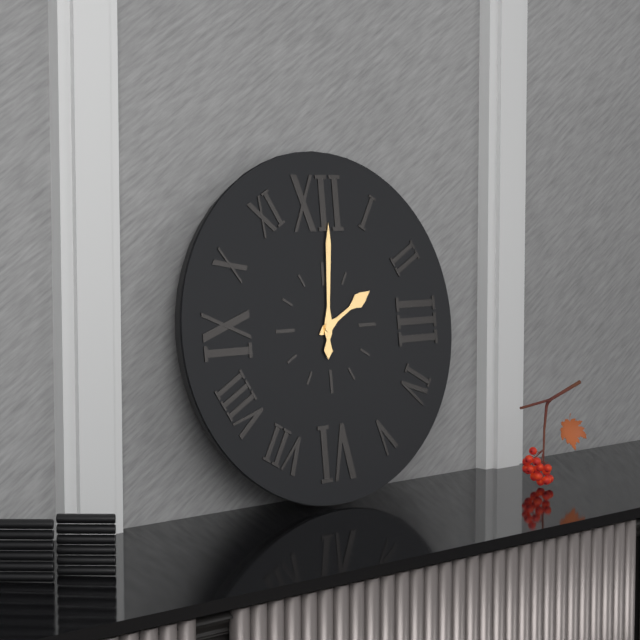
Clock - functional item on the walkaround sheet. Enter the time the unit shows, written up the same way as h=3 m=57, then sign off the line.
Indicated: h=2 m=1
